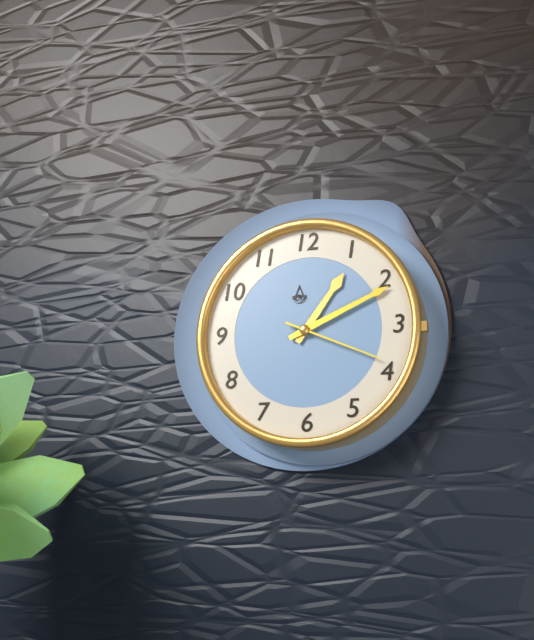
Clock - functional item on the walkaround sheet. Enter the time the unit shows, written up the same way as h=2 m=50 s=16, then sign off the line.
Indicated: h=1 m=11 s=19
